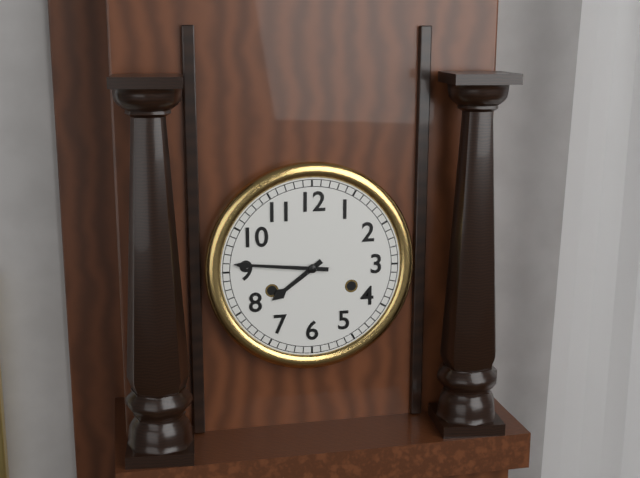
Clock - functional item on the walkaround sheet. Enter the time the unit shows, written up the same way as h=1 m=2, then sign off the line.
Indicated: h=7 m=46
